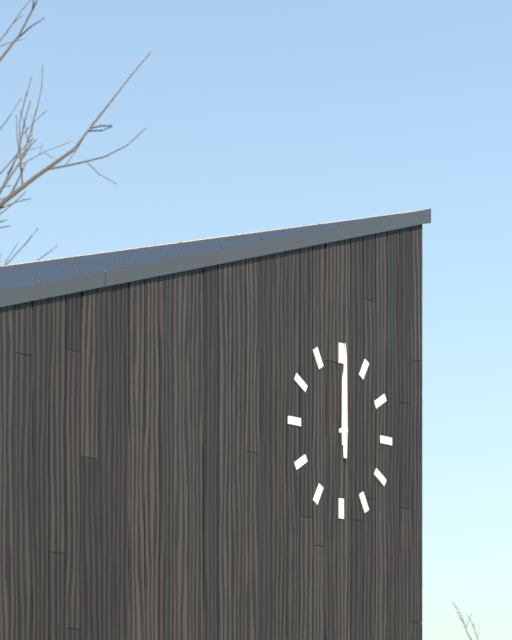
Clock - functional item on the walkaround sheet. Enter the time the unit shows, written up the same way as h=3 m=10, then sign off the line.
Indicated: h=12 m=0
